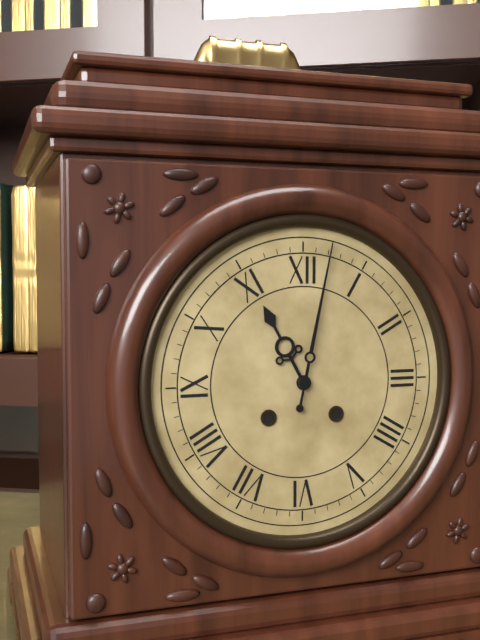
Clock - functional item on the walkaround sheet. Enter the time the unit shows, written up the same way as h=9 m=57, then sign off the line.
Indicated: h=11 m=2
